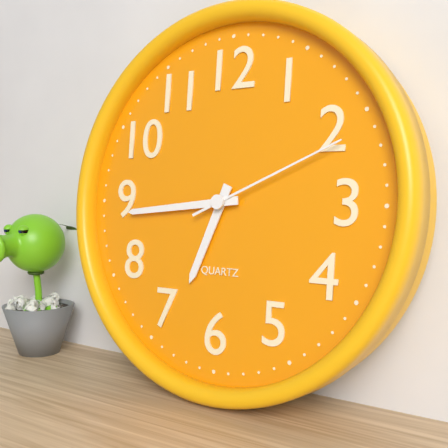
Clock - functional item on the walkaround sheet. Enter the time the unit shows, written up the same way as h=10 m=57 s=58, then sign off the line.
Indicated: h=6 m=44 s=11
